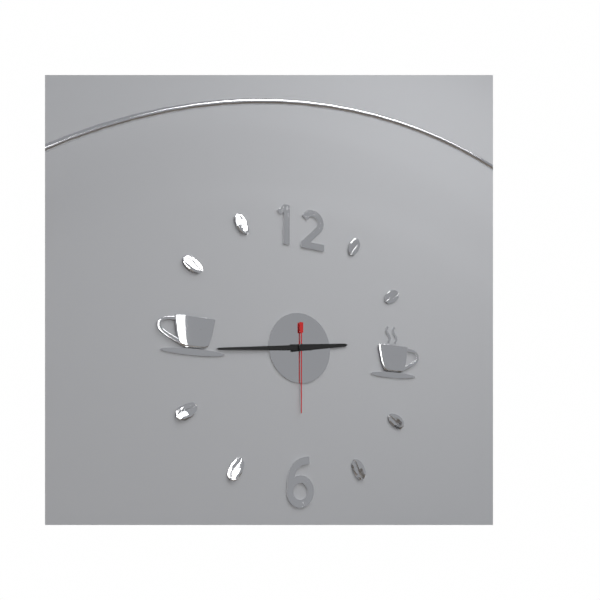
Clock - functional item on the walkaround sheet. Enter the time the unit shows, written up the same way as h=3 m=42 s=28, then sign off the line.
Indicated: h=2 m=44 s=30
